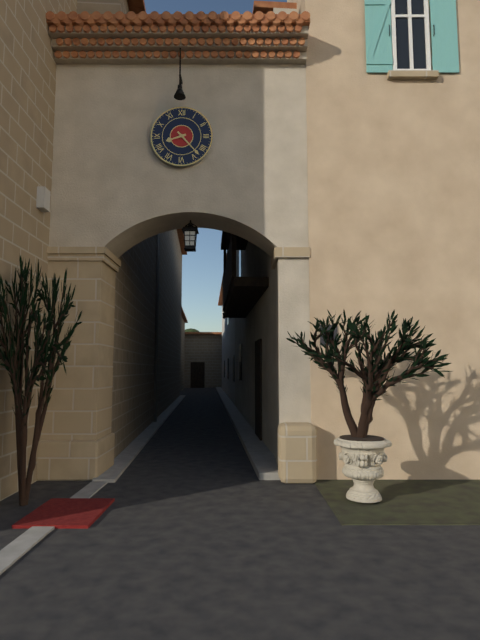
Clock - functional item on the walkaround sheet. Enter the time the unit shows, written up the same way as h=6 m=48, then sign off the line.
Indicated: h=8 m=23
